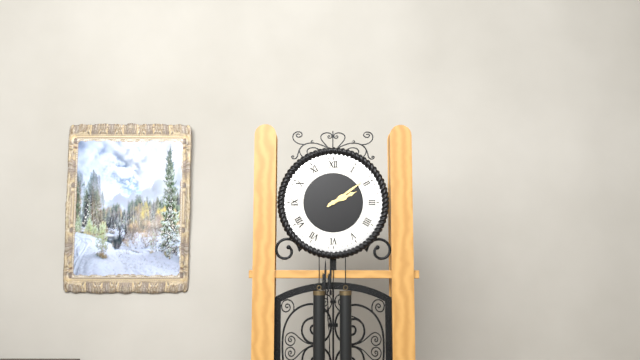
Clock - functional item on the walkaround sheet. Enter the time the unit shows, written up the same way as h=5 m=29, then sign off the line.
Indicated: h=2 m=9
